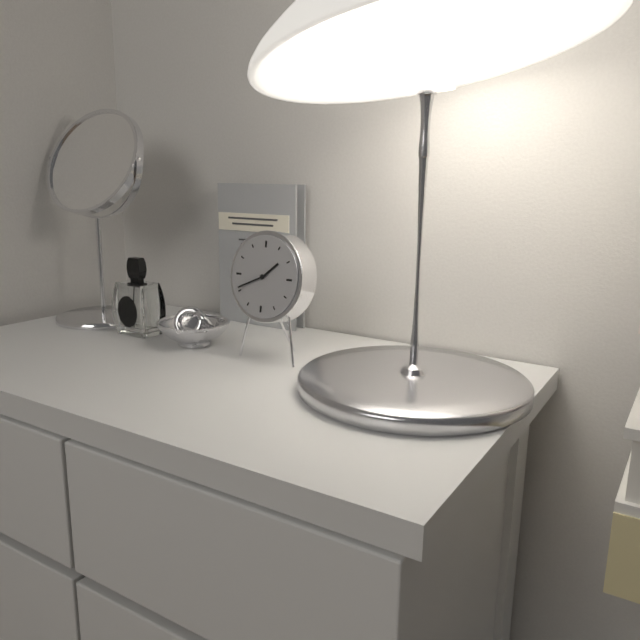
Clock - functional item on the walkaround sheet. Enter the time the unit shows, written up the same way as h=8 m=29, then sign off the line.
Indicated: h=1 m=41
